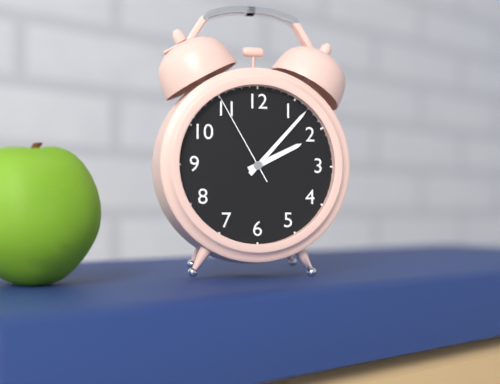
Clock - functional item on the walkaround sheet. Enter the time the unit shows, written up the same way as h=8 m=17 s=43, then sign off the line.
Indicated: h=2 m=7 s=55
